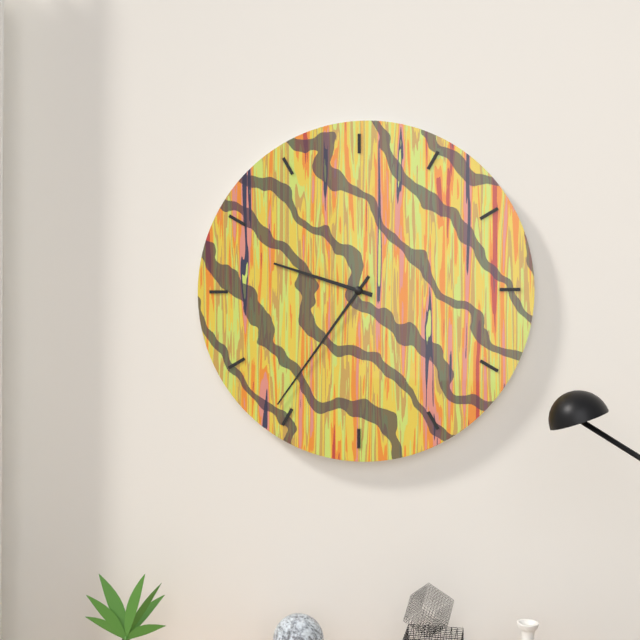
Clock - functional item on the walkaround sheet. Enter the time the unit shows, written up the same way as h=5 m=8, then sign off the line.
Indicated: h=9 m=36
